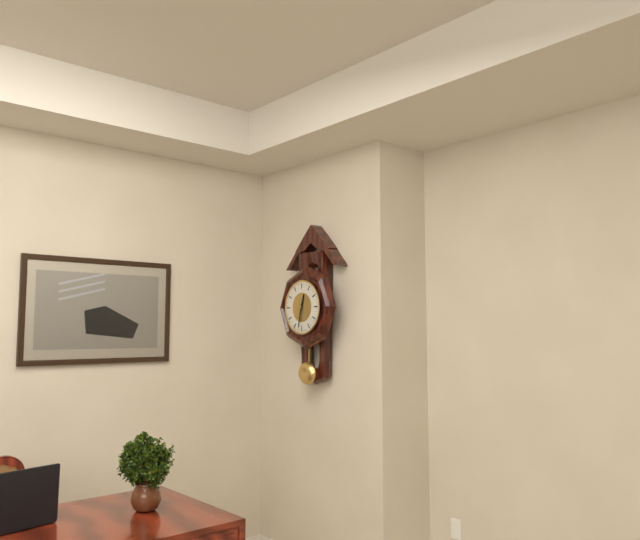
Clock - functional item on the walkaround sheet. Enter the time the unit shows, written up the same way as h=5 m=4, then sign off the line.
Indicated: h=12 m=32
